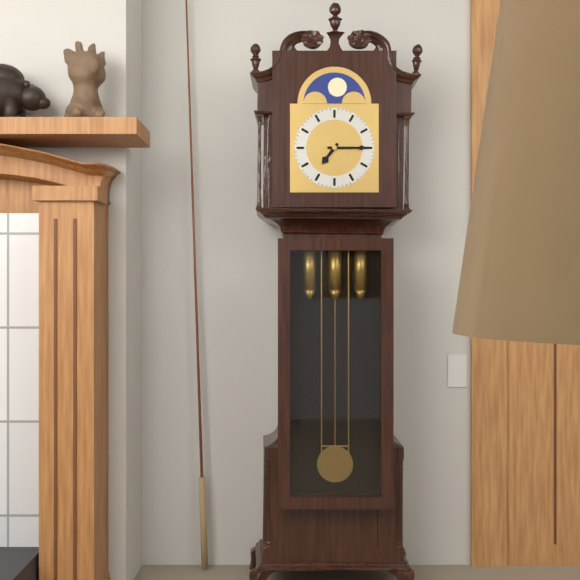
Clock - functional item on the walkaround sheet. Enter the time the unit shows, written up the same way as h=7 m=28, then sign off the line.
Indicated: h=7 m=15
